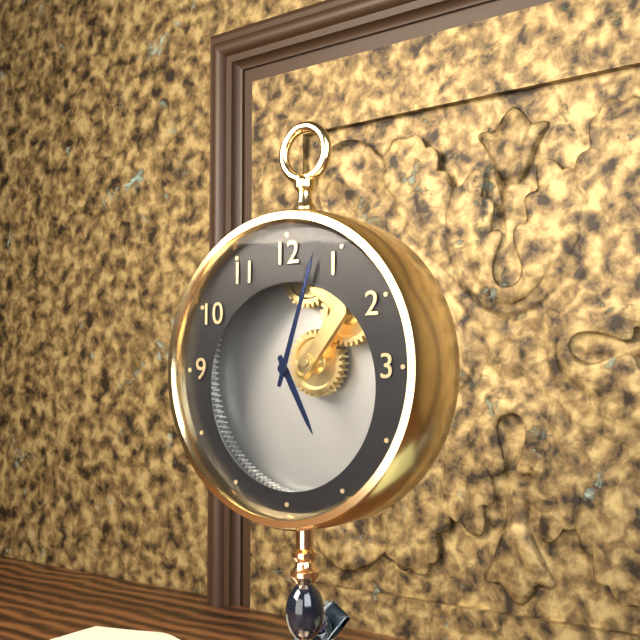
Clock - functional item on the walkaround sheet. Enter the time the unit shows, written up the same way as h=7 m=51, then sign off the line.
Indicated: h=5 m=3
